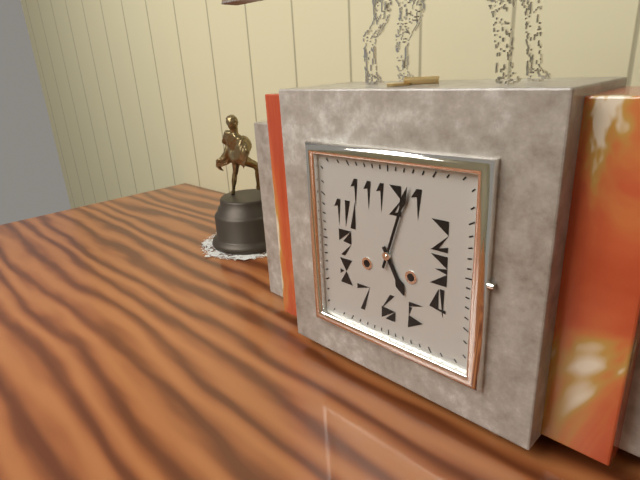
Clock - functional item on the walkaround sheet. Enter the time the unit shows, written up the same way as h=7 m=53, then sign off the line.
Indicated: h=5 m=3
